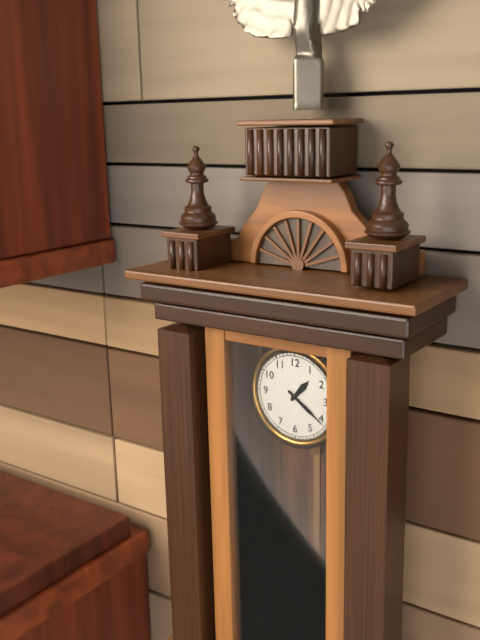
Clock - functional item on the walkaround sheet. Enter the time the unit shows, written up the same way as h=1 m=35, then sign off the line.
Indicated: h=1 m=21
